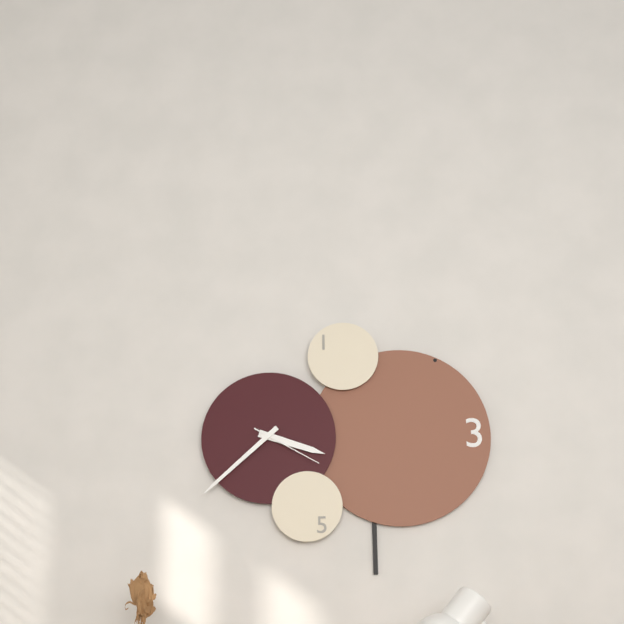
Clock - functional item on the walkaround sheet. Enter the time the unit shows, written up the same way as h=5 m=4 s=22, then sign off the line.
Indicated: h=3 m=38 s=20
